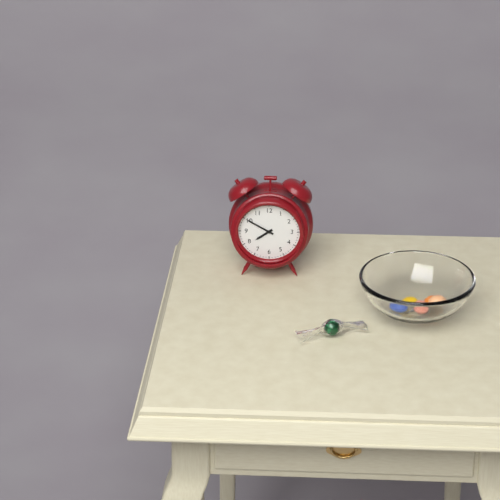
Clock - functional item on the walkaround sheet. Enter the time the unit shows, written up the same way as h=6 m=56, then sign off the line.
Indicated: h=7 m=50
